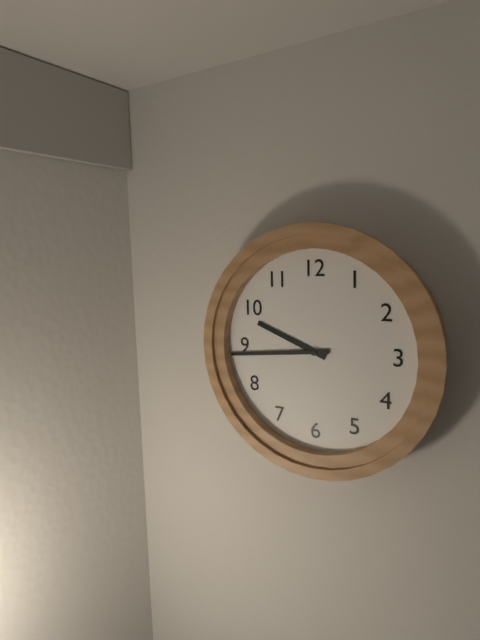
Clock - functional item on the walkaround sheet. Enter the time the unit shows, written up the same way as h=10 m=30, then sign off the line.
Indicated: h=9 m=44
